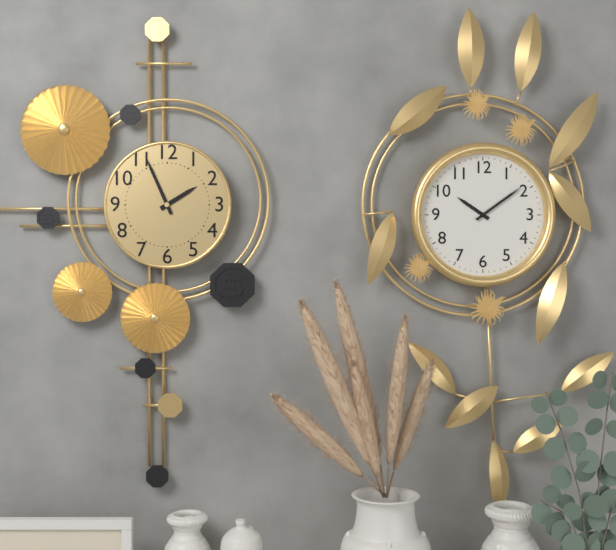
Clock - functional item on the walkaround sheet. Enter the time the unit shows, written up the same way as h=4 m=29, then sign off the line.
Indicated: h=1 m=56
